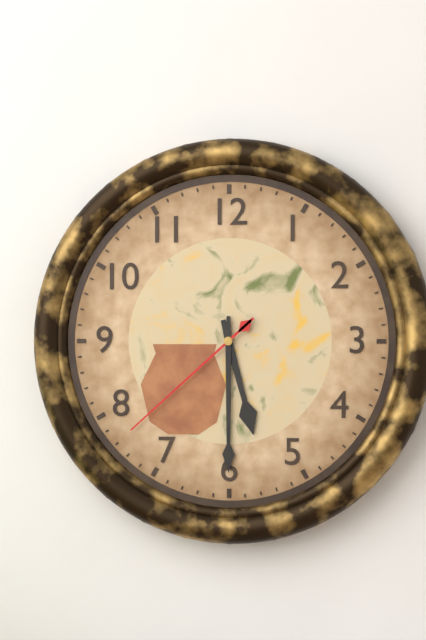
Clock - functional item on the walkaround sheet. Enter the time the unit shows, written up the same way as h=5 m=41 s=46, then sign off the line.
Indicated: h=5 m=30 s=38
